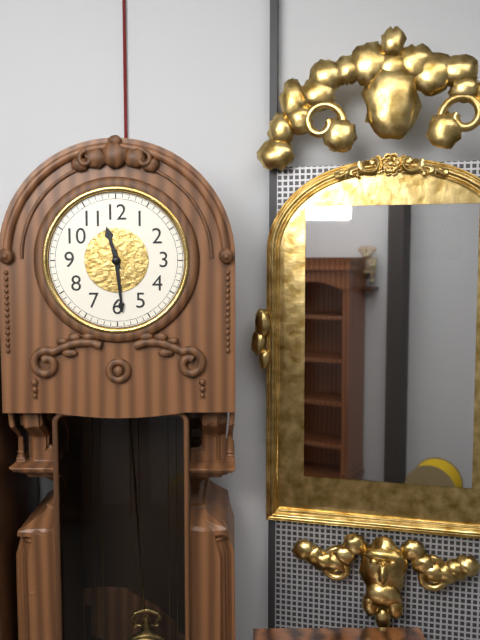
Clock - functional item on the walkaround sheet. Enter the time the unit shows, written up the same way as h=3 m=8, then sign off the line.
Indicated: h=11 m=29
